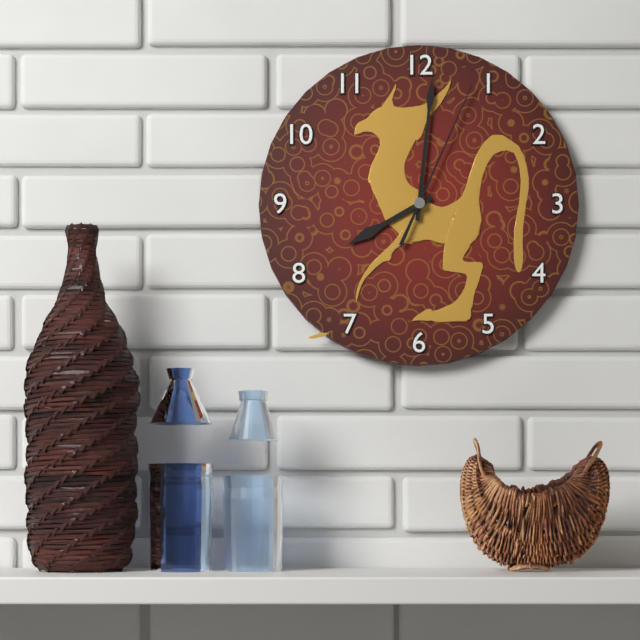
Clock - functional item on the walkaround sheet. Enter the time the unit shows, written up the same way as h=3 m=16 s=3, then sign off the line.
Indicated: h=8 m=1 s=4
